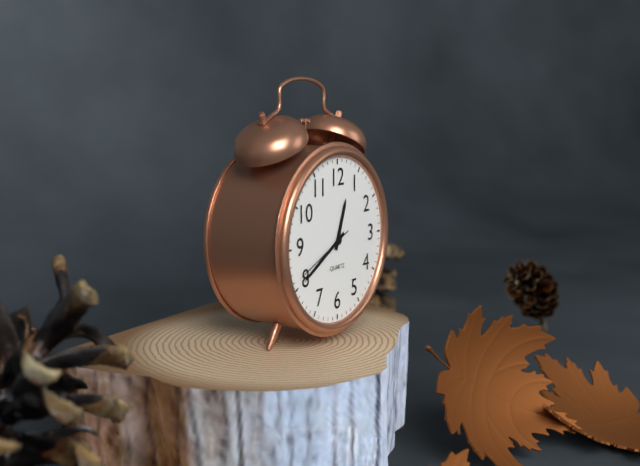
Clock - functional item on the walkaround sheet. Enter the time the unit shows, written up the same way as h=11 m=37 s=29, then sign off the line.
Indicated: h=12 m=40 s=41
